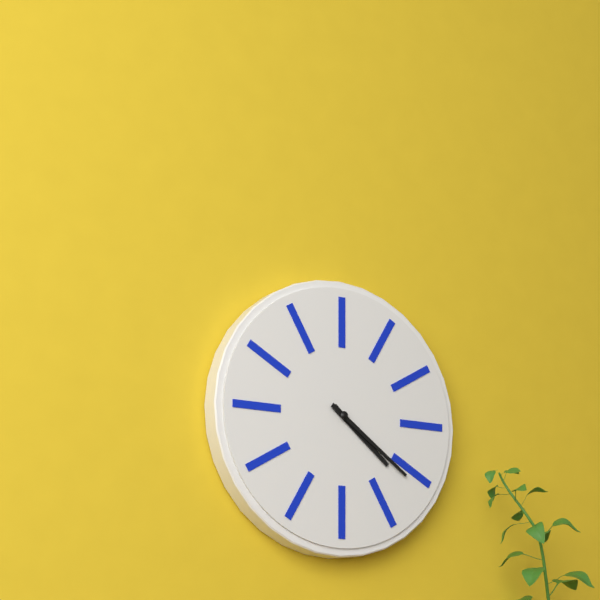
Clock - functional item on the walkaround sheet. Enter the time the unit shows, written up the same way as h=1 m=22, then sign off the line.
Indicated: h=4 m=21
